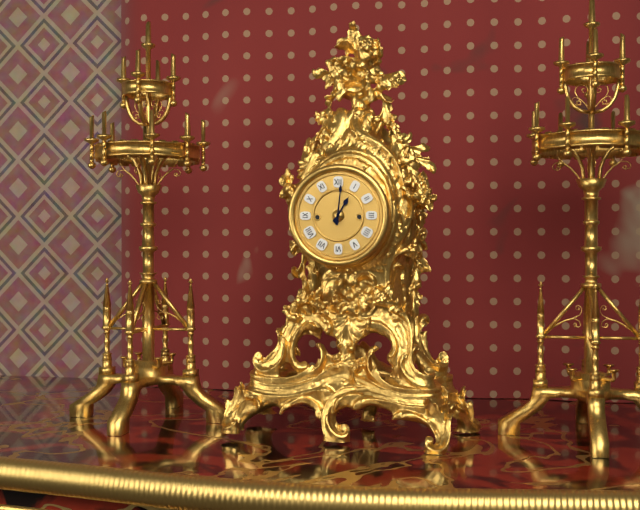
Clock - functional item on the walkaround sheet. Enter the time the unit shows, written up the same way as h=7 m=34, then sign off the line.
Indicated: h=1 m=1
